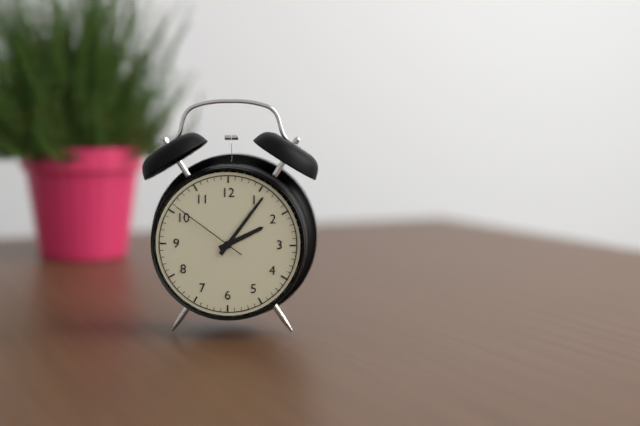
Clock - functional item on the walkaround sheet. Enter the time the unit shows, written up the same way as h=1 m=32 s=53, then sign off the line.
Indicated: h=2 m=6 s=51
